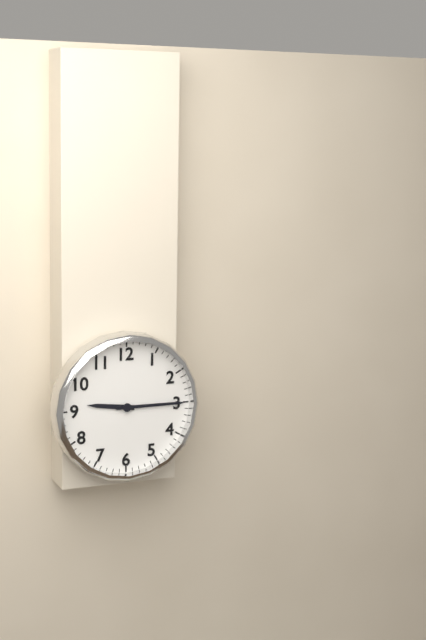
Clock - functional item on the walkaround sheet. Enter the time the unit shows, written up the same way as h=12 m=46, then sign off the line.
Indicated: h=9 m=15
